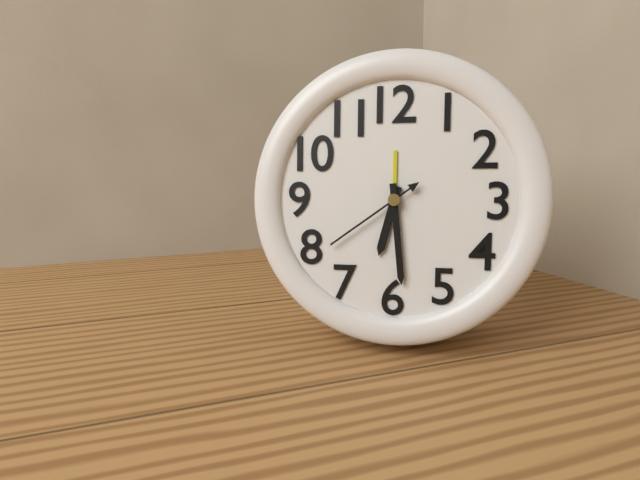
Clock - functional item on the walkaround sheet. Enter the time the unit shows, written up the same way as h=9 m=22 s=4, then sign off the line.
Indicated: h=6 m=29 s=39
